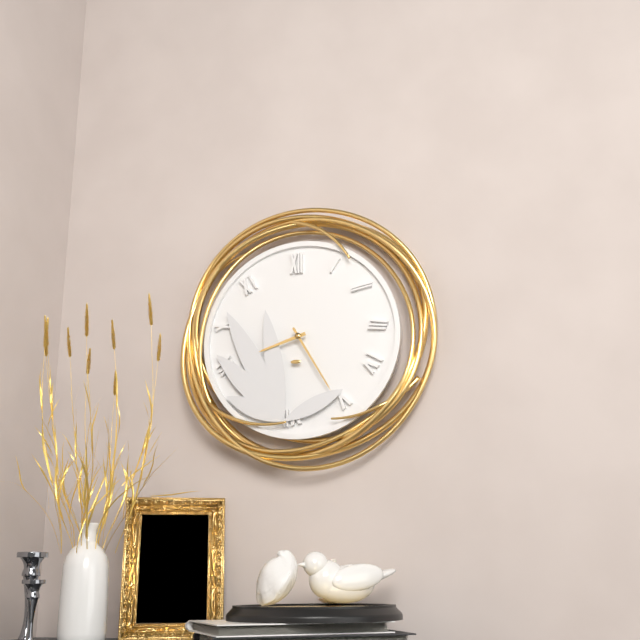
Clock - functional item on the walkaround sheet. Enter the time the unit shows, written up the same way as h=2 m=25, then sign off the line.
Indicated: h=8 m=25
